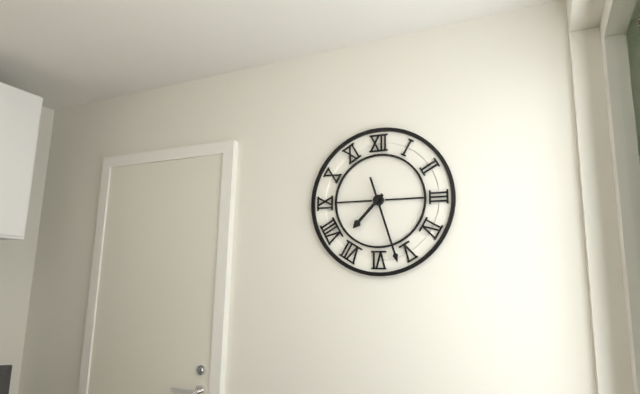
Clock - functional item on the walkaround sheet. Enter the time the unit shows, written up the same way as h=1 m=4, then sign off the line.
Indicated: h=7 m=27
